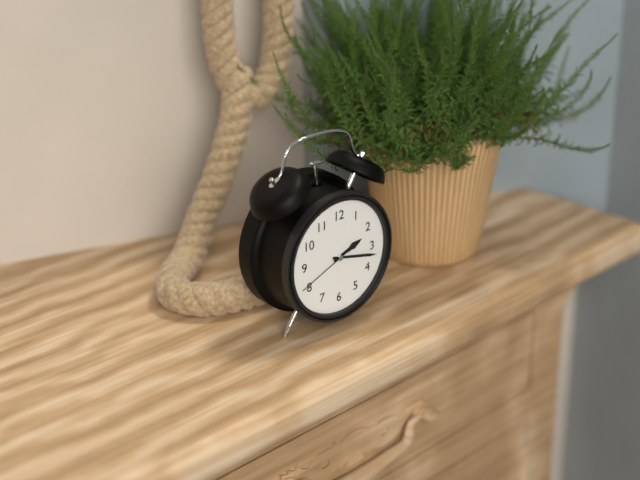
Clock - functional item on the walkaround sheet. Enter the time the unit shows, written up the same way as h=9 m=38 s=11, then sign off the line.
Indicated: h=2 m=17 s=41
